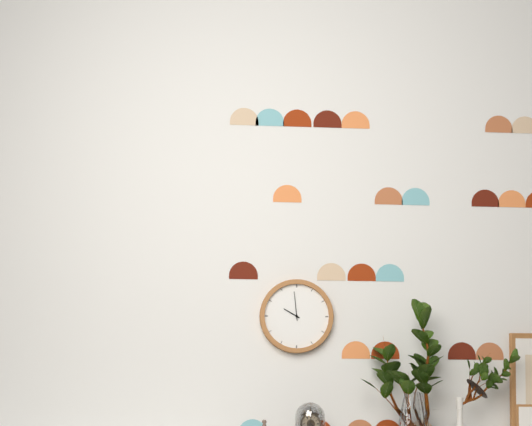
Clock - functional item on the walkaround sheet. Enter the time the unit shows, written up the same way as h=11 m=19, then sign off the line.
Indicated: h=9 m=59
